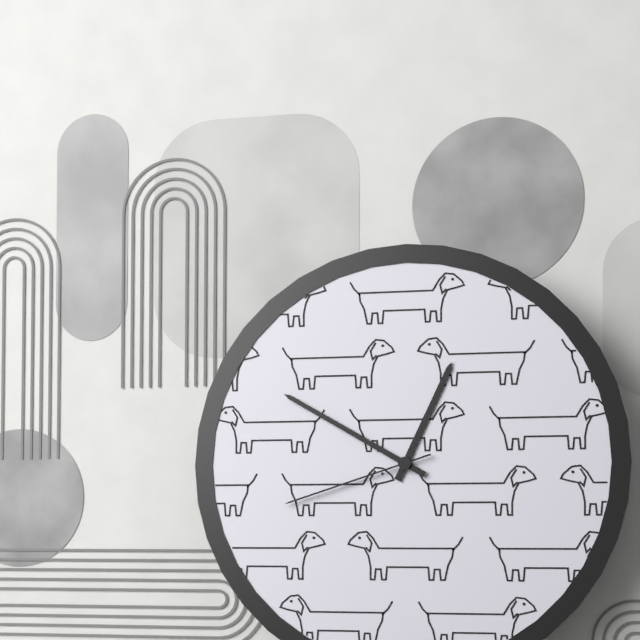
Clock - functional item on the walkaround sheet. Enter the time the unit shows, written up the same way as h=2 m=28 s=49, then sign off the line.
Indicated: h=12 m=50 s=42
